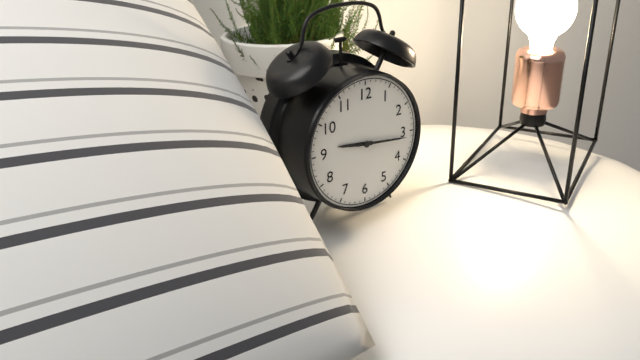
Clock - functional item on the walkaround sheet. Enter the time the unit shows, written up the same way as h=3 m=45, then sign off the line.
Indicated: h=9 m=16
